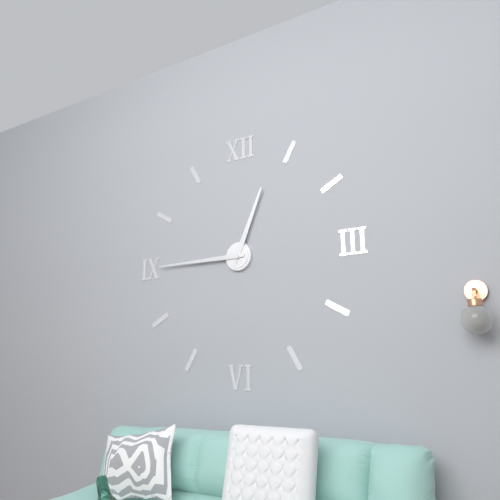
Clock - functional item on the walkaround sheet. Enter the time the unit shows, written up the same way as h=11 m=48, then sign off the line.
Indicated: h=12 m=45
